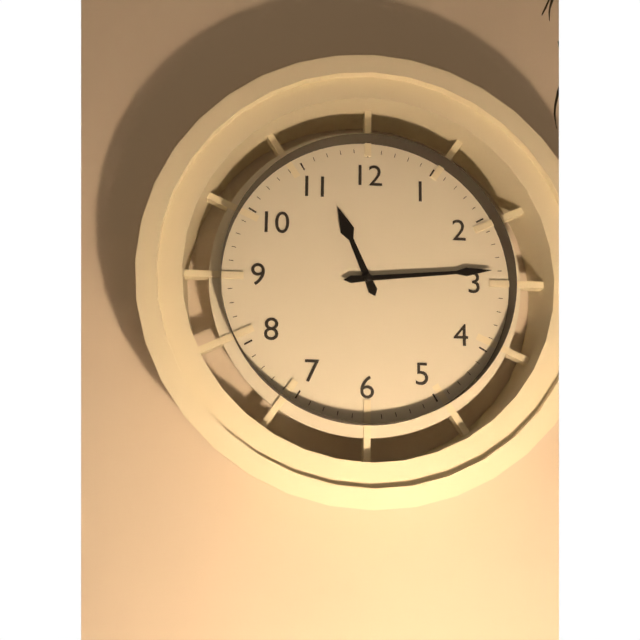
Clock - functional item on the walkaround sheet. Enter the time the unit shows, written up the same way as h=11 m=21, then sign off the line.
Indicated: h=11 m=14
